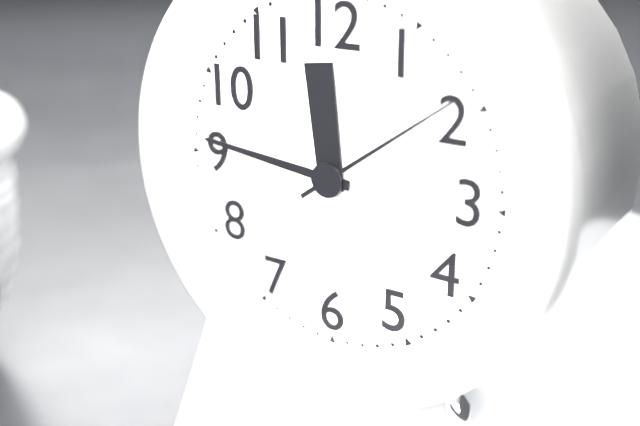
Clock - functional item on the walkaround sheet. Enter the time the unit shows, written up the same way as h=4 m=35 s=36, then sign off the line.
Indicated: h=11 m=46 s=9
